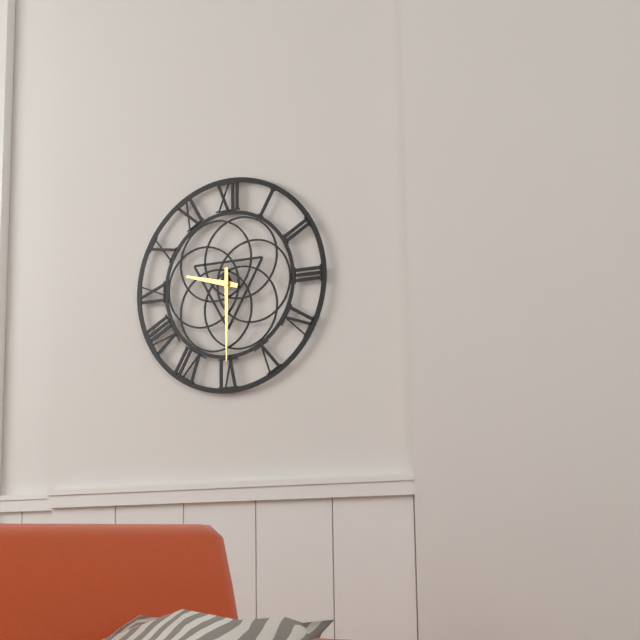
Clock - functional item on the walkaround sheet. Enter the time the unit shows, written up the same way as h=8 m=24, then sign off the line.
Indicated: h=9 m=30
